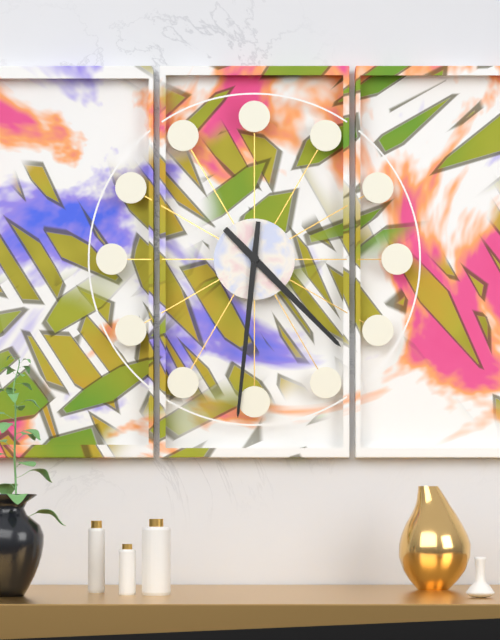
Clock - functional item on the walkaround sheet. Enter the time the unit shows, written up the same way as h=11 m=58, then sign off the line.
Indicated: h=4 m=31
